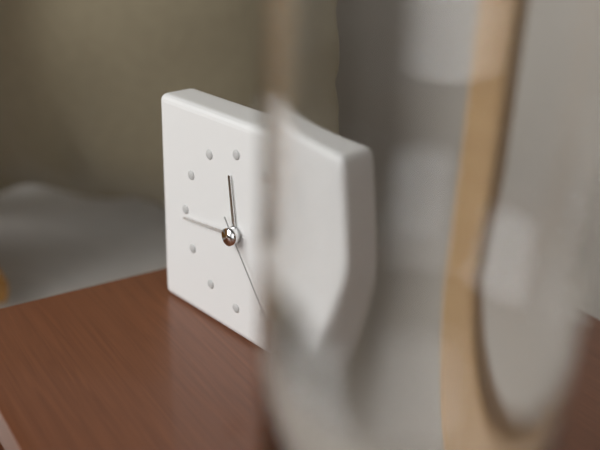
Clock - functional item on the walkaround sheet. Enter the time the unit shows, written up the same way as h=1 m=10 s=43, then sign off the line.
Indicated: h=11 m=44 s=24
